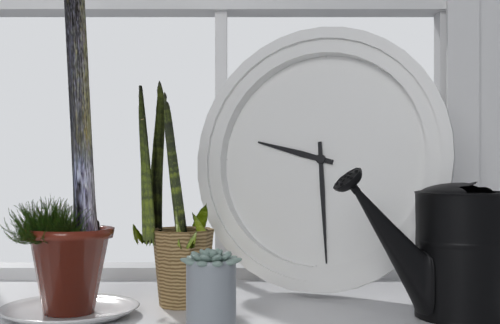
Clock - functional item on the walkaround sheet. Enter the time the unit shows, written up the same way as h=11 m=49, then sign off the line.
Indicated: h=9 m=29
